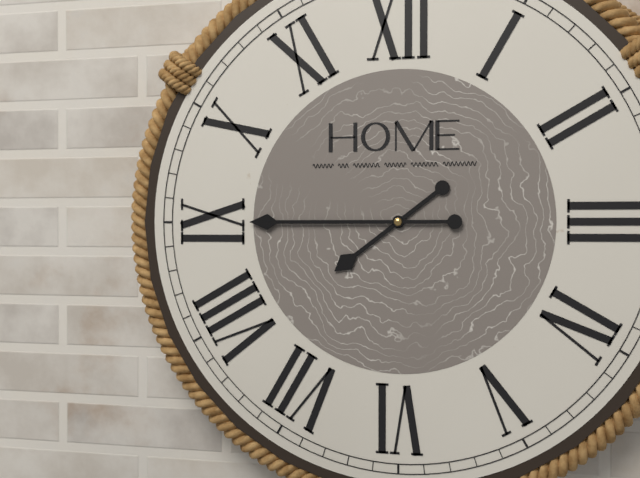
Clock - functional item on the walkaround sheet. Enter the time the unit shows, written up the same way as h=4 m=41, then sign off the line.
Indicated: h=7 m=45
